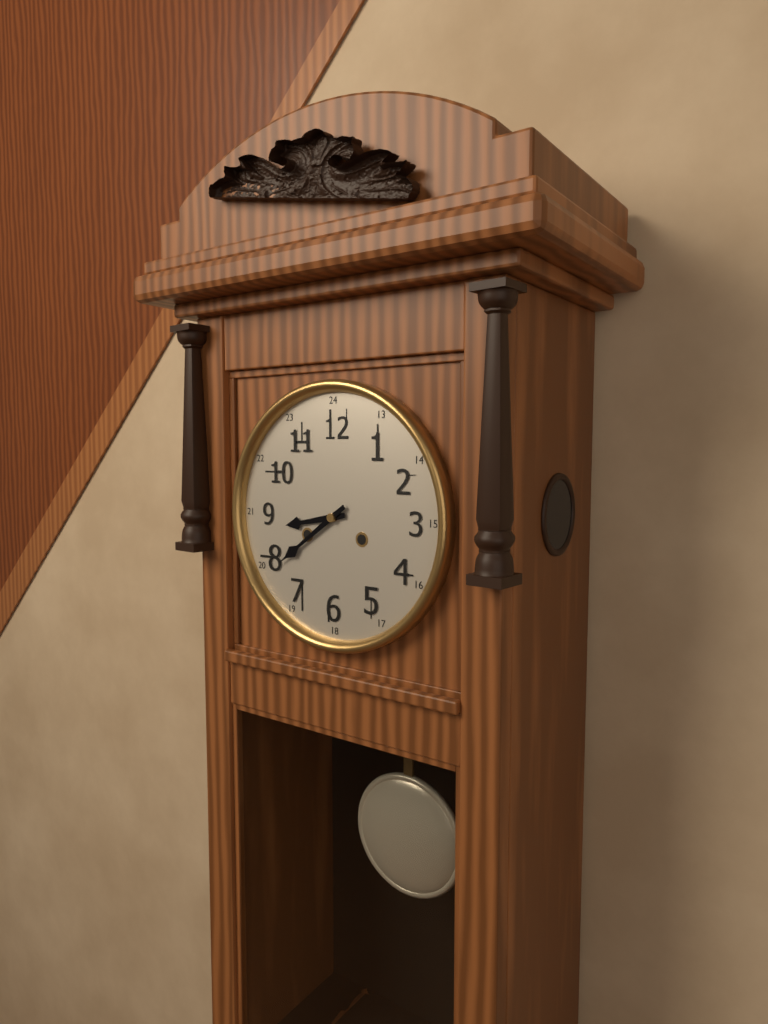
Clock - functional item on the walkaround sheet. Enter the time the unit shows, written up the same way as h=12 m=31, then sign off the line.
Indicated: h=8 m=39
